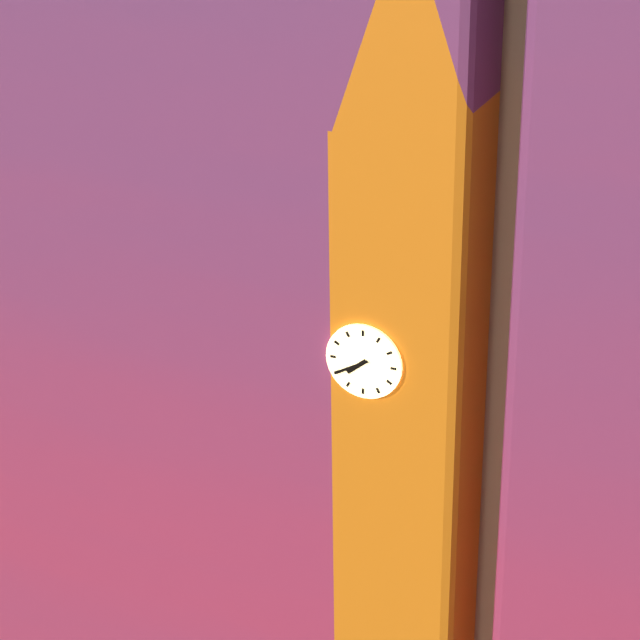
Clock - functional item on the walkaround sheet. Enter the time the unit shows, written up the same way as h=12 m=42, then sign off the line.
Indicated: h=7 m=40
